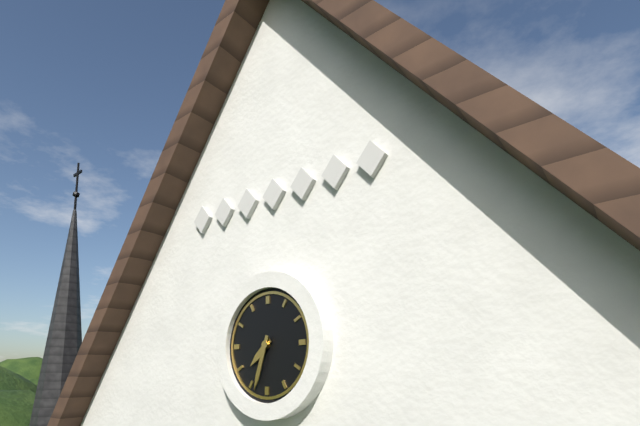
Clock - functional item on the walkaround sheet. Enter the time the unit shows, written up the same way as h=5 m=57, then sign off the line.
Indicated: h=7 m=33
